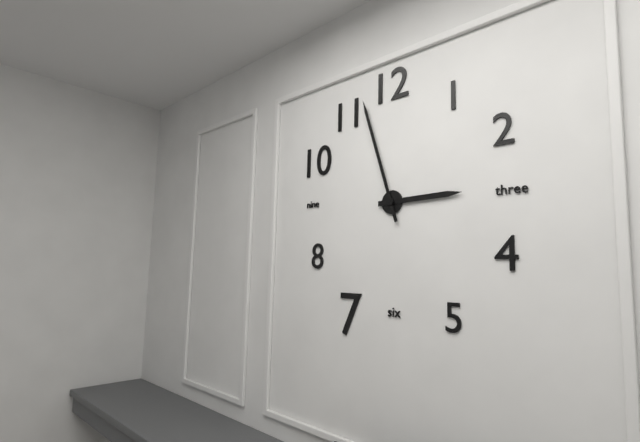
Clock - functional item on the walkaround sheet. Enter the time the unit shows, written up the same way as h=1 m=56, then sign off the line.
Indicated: h=2 m=57
